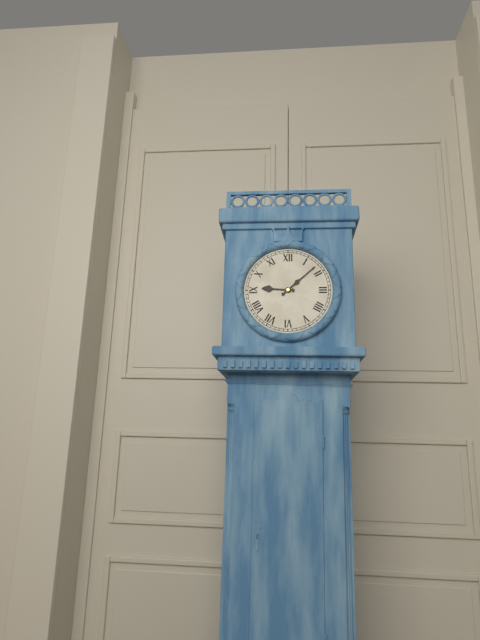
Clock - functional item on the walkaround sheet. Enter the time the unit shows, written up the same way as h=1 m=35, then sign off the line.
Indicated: h=9 m=8
